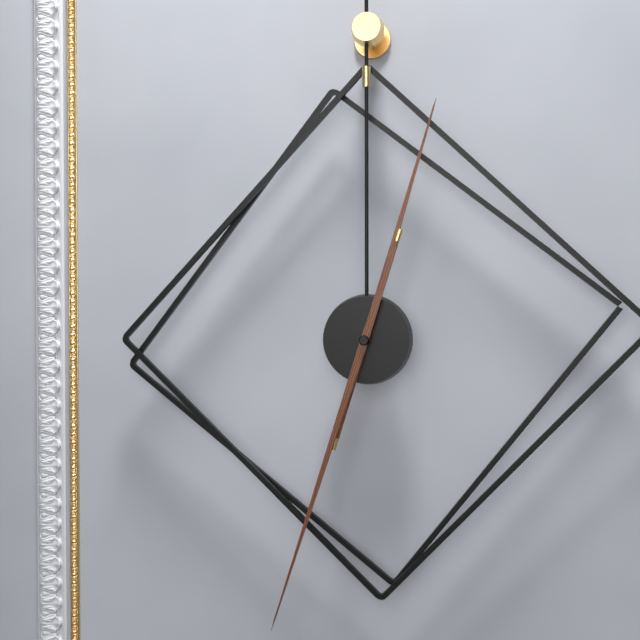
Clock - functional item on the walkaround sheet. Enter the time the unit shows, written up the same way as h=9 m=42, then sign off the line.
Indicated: h=12 m=33
